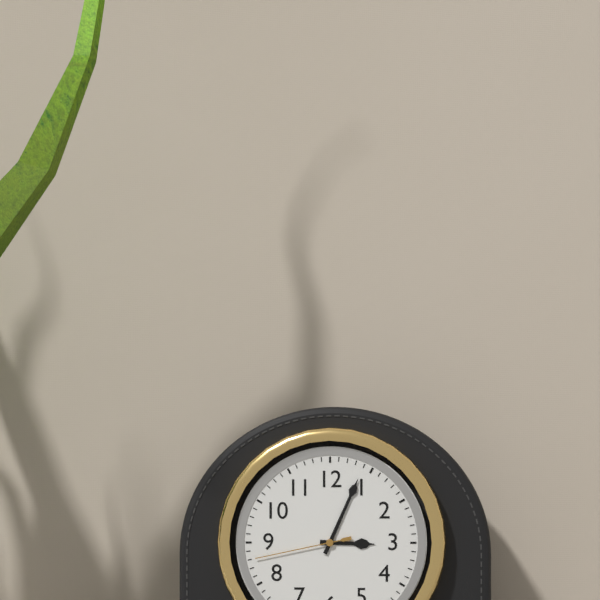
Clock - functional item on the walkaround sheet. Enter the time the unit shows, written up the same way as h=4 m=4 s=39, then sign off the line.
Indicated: h=3 m=4 s=43
